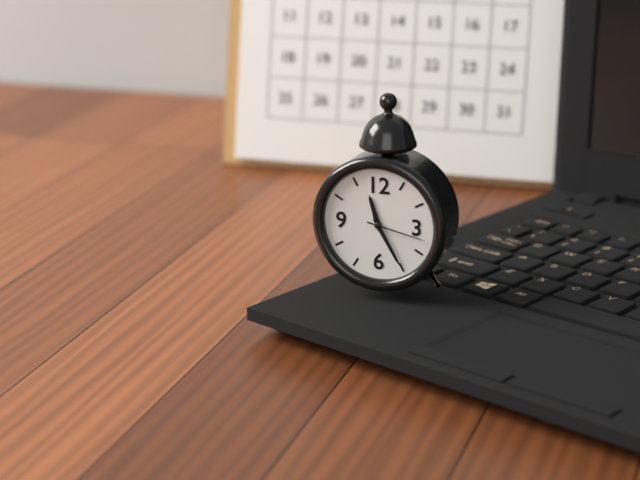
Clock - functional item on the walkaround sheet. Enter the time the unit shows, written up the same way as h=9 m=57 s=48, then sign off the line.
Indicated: h=11 m=25 s=17
